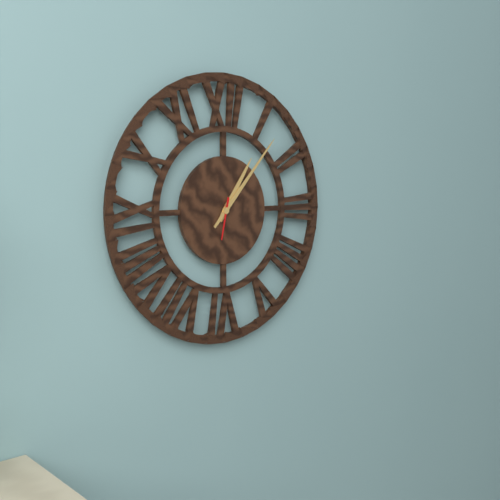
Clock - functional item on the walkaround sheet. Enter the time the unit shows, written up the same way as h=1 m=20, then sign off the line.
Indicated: h=1 m=7
